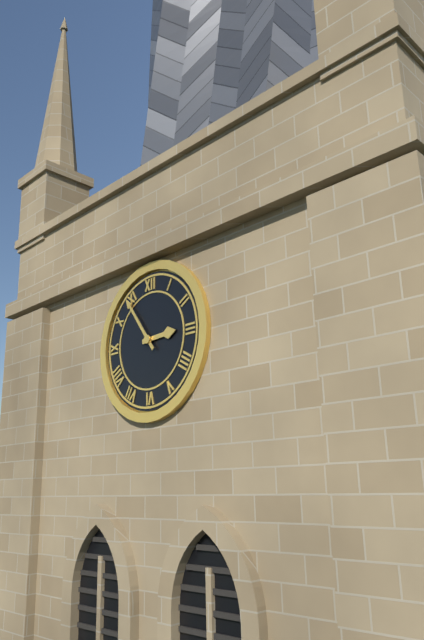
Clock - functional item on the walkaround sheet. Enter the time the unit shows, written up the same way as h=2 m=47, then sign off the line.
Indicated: h=2 m=54
